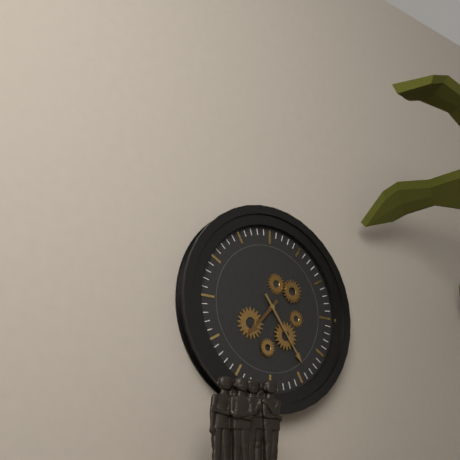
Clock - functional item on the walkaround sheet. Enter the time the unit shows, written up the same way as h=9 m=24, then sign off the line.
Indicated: h=7 m=24
